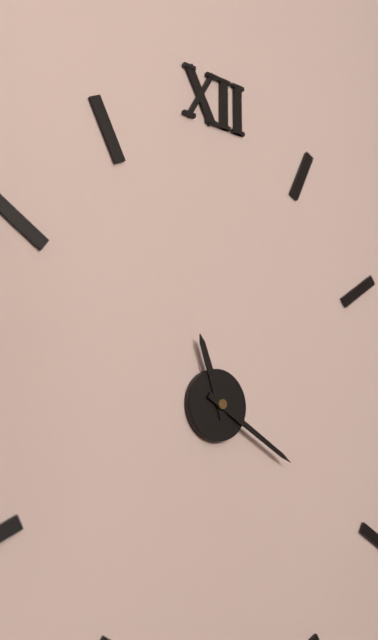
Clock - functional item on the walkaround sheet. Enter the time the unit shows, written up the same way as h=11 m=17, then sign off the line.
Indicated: h=11 m=20
